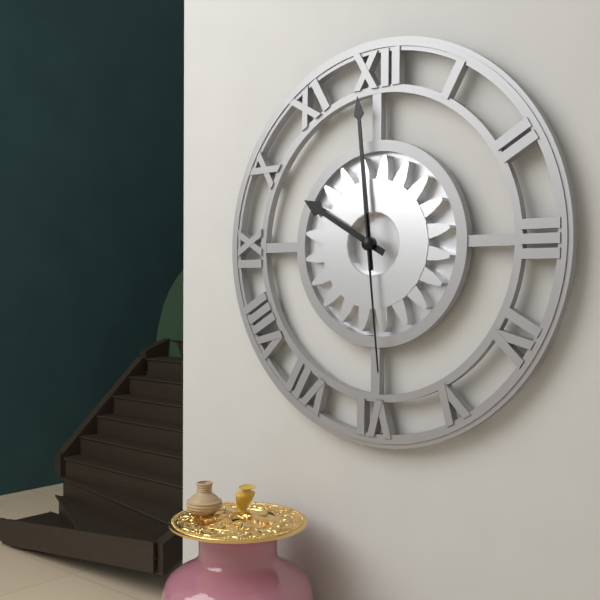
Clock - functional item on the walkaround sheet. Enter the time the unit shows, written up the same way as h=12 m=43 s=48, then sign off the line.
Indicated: h=9 m=59 s=29
